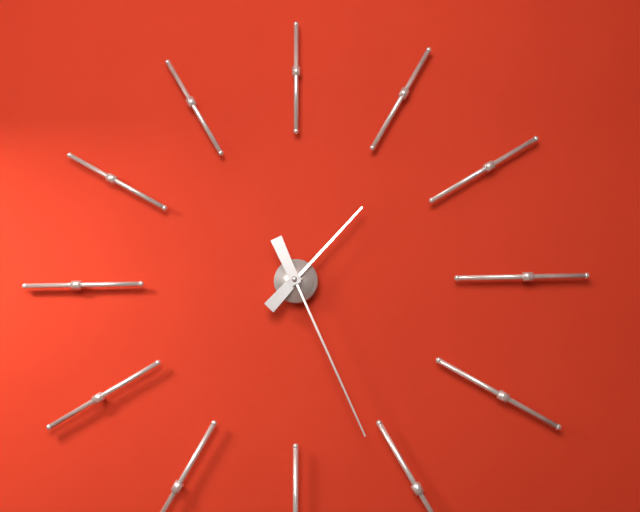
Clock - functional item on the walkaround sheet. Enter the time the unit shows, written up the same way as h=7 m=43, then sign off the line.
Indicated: h=1 m=26
